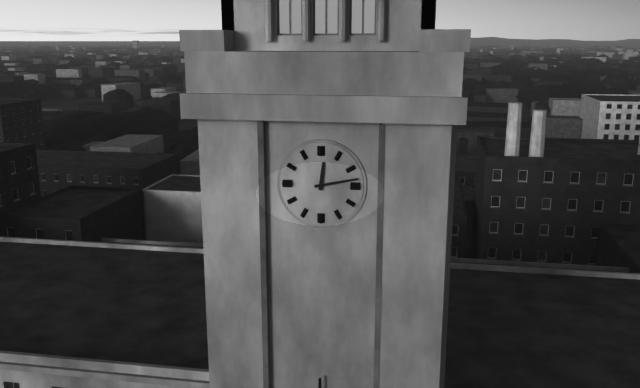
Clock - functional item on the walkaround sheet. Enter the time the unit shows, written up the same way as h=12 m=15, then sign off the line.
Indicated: h=12 m=13
